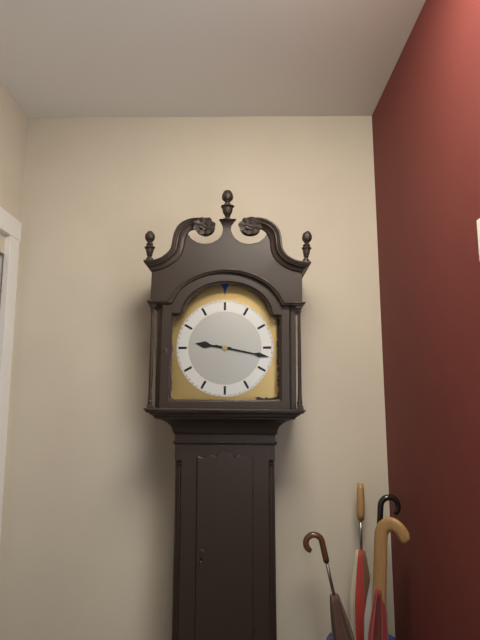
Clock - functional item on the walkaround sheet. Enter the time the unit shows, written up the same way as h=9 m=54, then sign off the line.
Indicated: h=9 m=17
